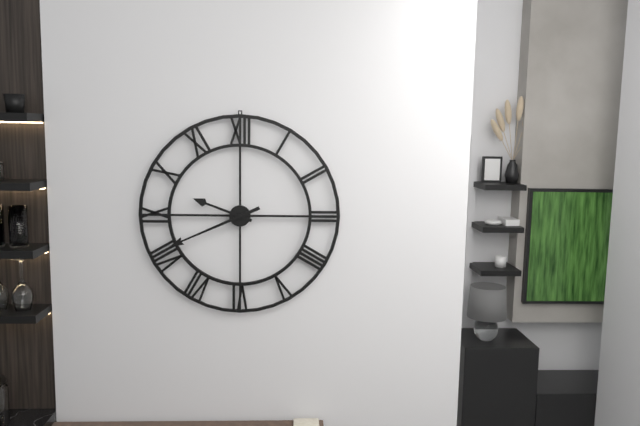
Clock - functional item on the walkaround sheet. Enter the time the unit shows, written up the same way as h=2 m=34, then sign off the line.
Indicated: h=9 m=41
